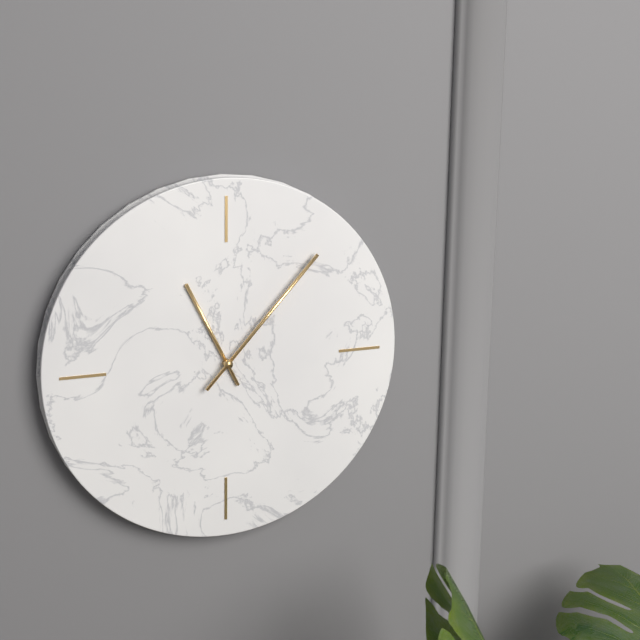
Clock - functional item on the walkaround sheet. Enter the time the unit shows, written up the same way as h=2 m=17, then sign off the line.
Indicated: h=11 m=7
